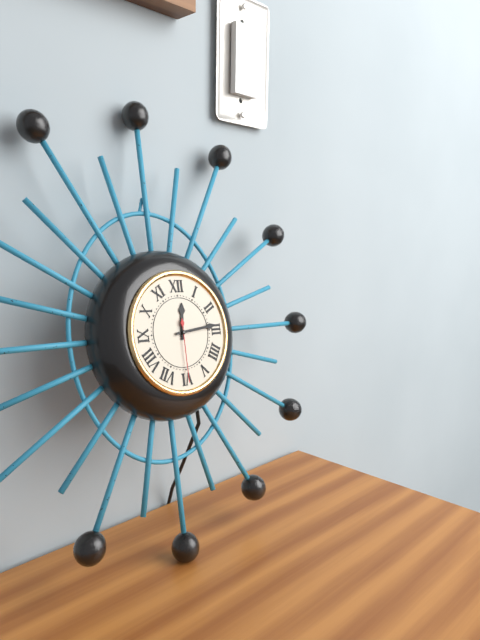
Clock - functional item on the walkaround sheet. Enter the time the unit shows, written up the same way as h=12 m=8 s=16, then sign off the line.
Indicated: h=12 m=14 s=30
